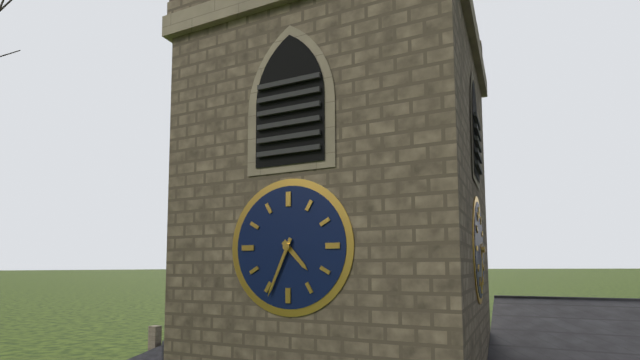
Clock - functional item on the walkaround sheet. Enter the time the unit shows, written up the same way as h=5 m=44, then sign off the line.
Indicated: h=4 m=34
